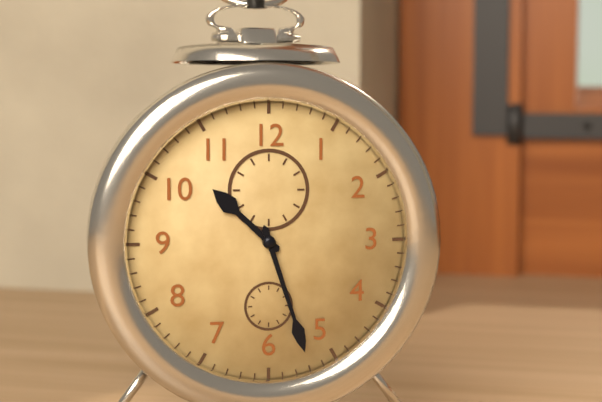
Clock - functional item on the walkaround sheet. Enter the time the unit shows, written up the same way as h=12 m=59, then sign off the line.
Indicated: h=10 m=27
